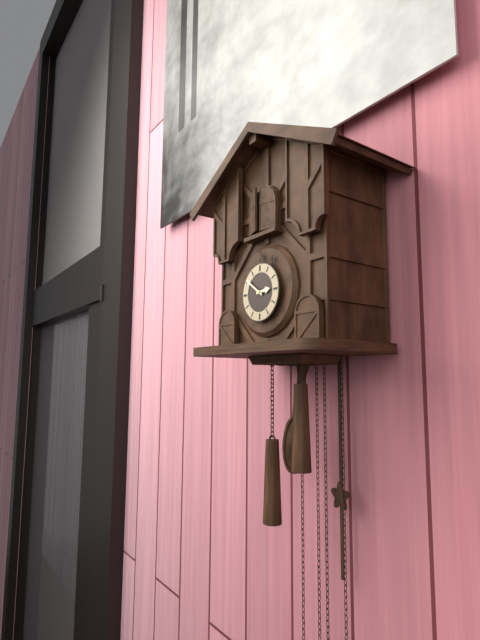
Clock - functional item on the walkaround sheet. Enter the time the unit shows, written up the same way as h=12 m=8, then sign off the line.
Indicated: h=2 m=51
